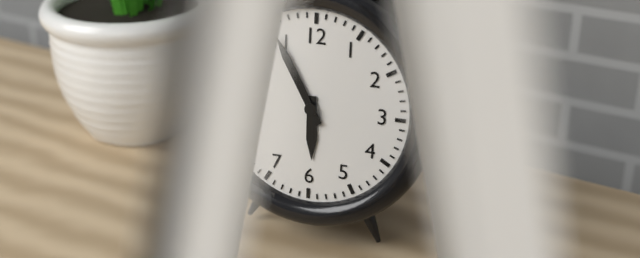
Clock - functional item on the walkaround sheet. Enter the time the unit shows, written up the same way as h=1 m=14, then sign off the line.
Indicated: h=5 m=55
